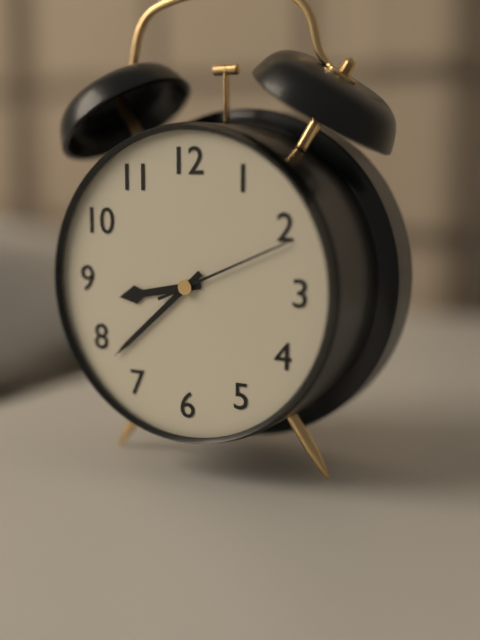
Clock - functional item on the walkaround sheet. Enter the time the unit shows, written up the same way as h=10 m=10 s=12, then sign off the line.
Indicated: h=8 m=38 s=11
